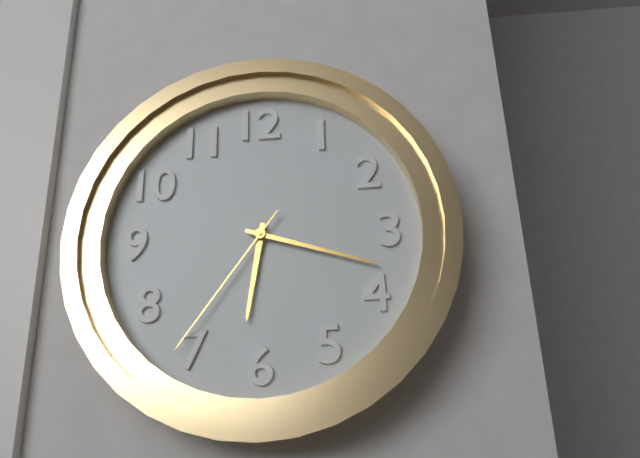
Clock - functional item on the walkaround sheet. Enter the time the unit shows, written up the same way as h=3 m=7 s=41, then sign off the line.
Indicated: h=6 m=18 s=36
